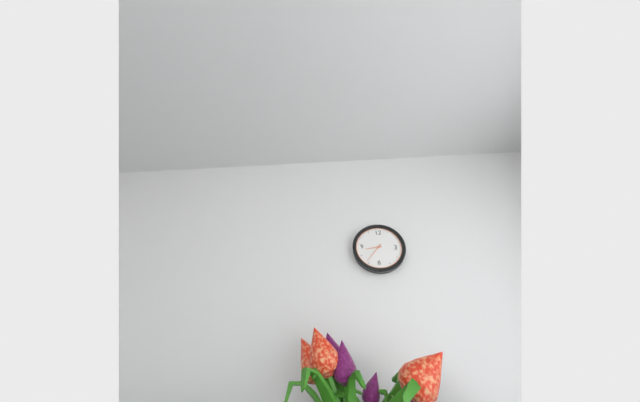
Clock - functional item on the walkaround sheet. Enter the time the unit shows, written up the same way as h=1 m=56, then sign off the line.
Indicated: h=8 m=36
